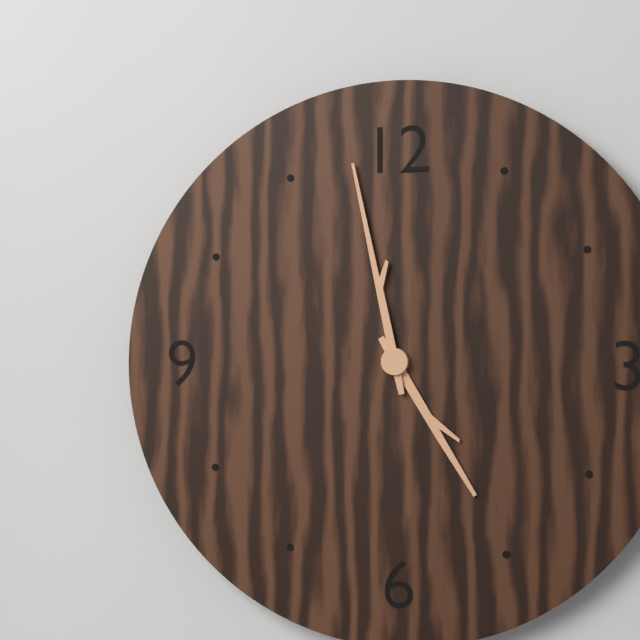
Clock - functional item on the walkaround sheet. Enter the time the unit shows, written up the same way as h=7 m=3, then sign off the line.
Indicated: h=4 m=58
